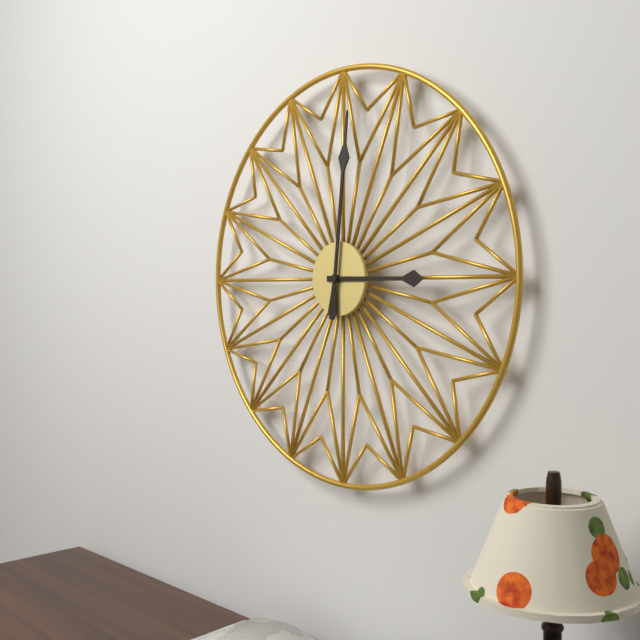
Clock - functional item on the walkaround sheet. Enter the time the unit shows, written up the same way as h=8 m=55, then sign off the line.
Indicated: h=3 m=1
